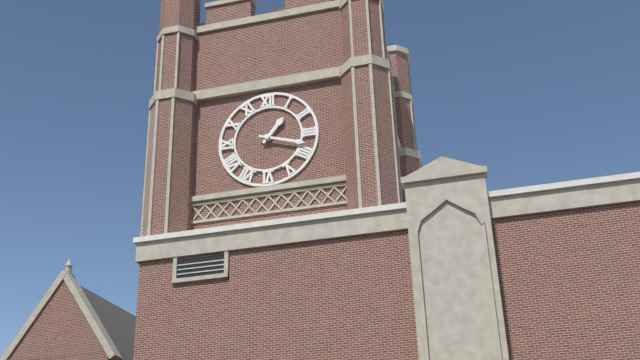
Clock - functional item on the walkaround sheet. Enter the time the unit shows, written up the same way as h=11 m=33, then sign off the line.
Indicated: h=1 m=18
